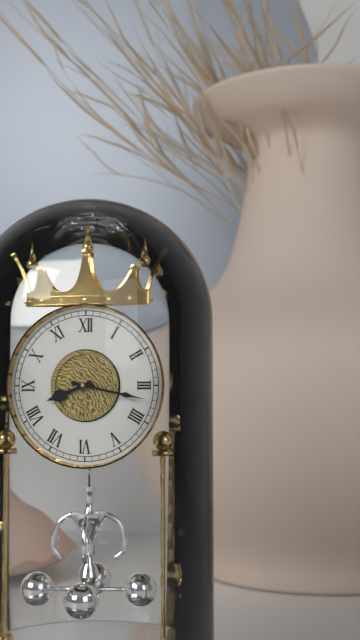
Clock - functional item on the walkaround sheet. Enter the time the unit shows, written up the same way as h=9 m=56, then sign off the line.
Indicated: h=8 m=17
